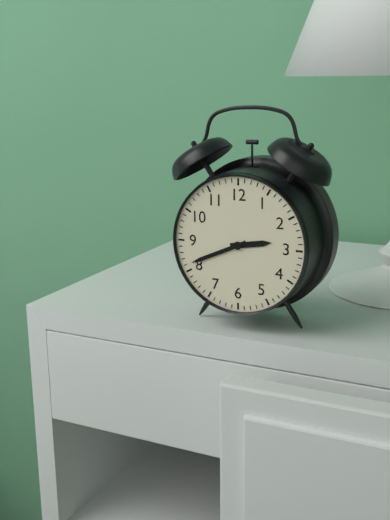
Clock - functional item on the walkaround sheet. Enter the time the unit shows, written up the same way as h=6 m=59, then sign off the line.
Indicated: h=2 m=41
